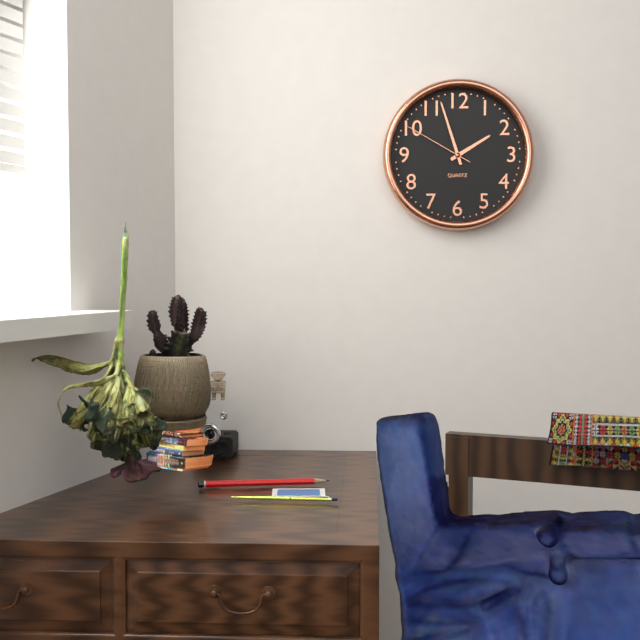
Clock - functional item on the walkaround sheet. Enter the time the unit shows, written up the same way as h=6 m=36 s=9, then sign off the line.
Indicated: h=1 m=57 s=50
